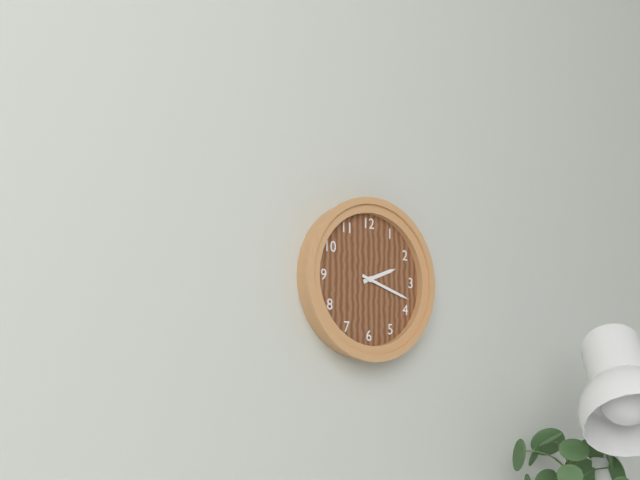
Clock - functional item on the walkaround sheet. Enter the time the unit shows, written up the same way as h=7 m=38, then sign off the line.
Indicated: h=2 m=18
